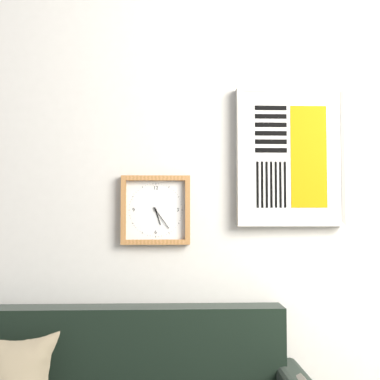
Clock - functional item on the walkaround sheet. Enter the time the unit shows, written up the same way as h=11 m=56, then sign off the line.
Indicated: h=5 m=24
